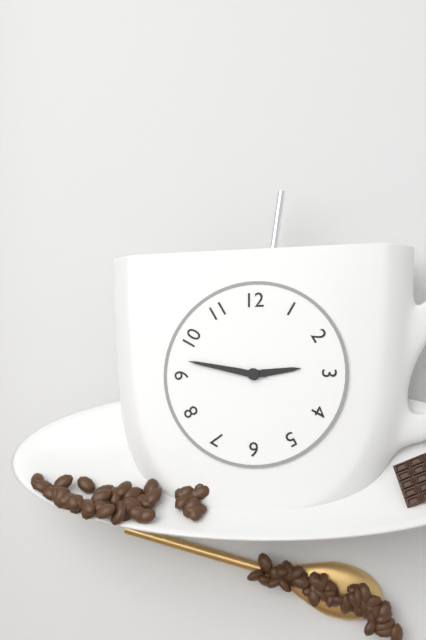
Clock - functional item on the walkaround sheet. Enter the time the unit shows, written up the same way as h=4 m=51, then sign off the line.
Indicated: h=2 m=47
